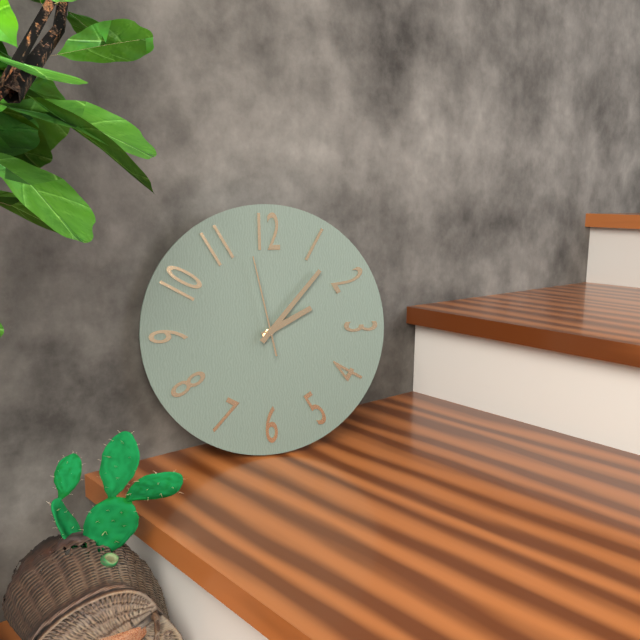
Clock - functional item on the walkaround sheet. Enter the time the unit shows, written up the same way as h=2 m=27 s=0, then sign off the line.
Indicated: h=2 m=7 s=58
